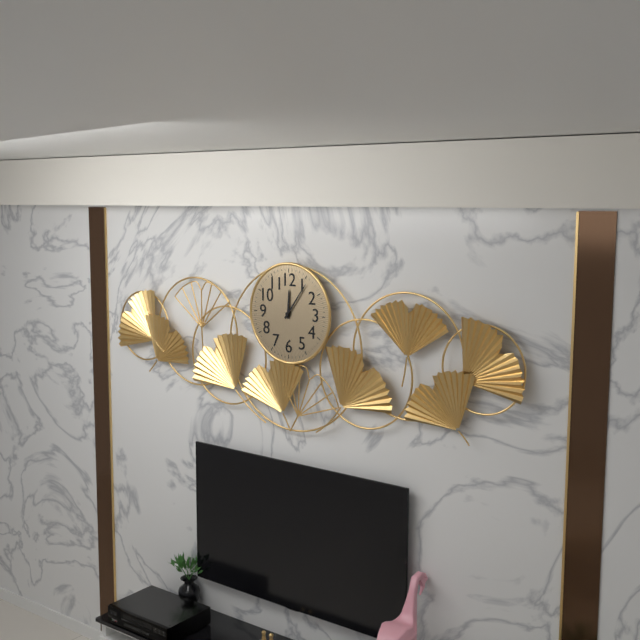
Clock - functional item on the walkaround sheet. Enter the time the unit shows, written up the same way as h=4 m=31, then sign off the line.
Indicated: h=12 m=6
